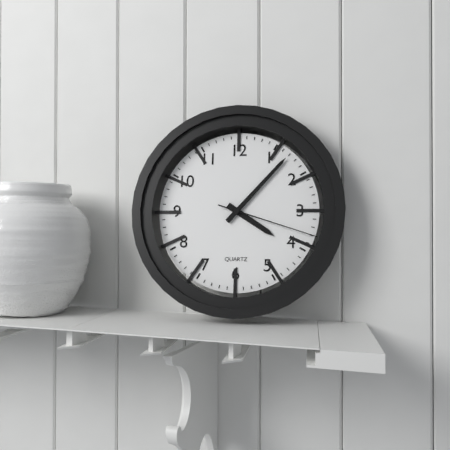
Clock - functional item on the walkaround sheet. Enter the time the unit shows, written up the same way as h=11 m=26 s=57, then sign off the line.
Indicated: h=4 m=7 s=18
